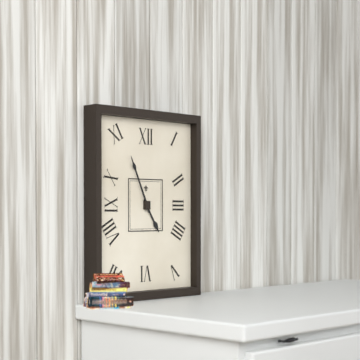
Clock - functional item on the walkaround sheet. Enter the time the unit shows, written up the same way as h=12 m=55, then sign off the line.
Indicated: h=4 m=56
